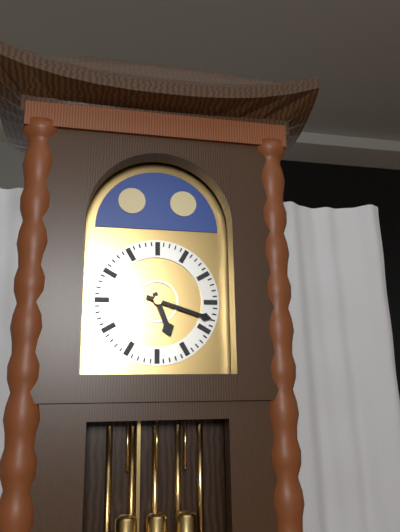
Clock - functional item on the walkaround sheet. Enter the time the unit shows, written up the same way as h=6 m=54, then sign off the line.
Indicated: h=5 m=18
